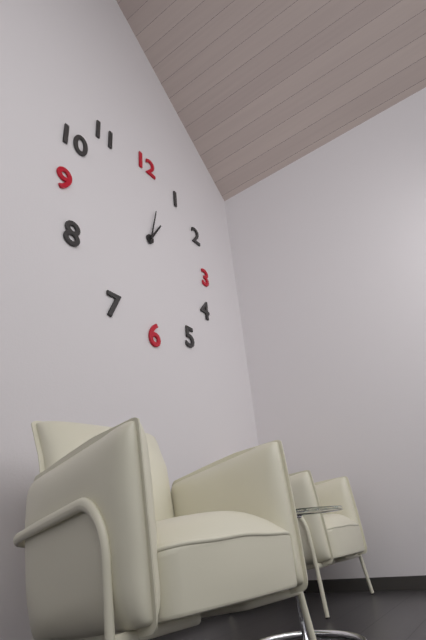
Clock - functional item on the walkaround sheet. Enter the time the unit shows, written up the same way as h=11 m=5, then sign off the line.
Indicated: h=1 m=2
